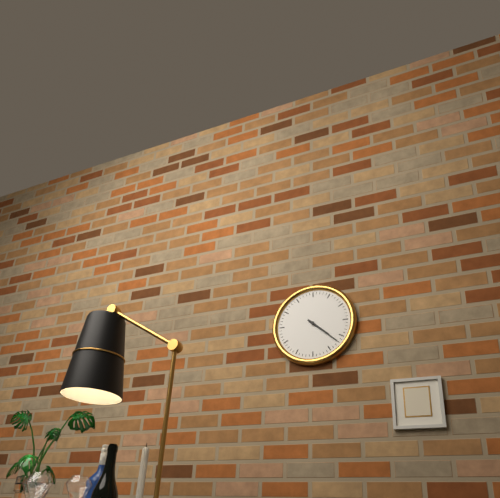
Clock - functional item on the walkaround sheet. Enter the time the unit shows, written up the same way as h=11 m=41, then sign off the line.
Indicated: h=4 m=22
